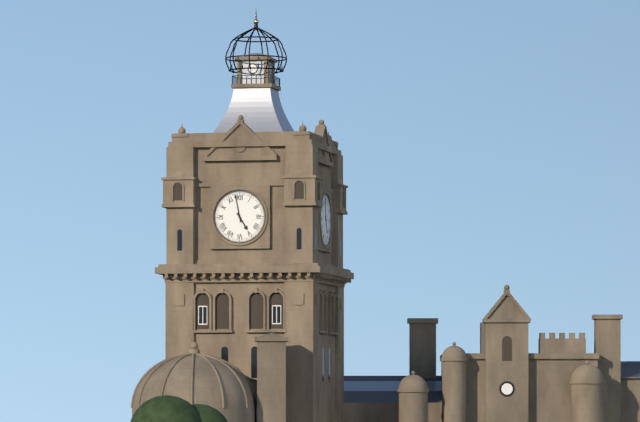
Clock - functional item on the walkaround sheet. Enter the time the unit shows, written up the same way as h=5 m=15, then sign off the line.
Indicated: h=4 m=58
